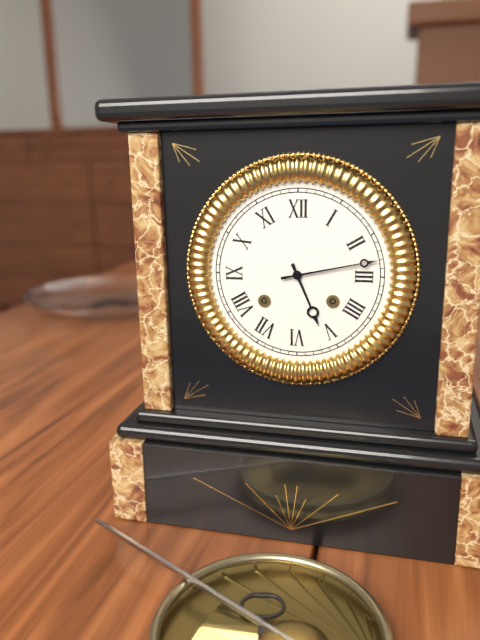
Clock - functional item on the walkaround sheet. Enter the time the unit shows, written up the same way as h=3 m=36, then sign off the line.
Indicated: h=5 m=13
